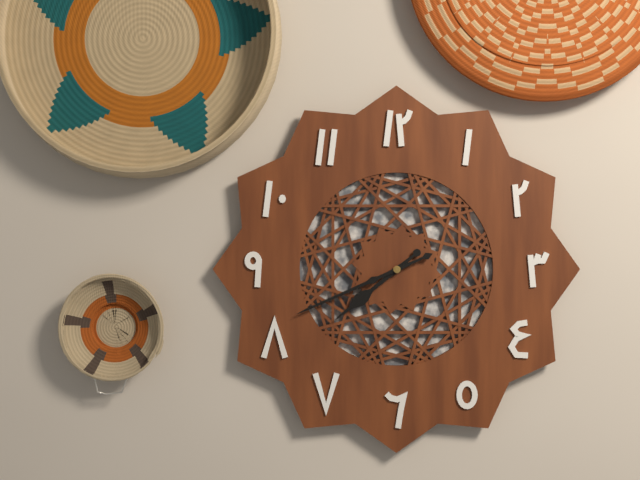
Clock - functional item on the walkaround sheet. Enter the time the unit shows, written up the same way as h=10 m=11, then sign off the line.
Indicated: h=7 m=41
